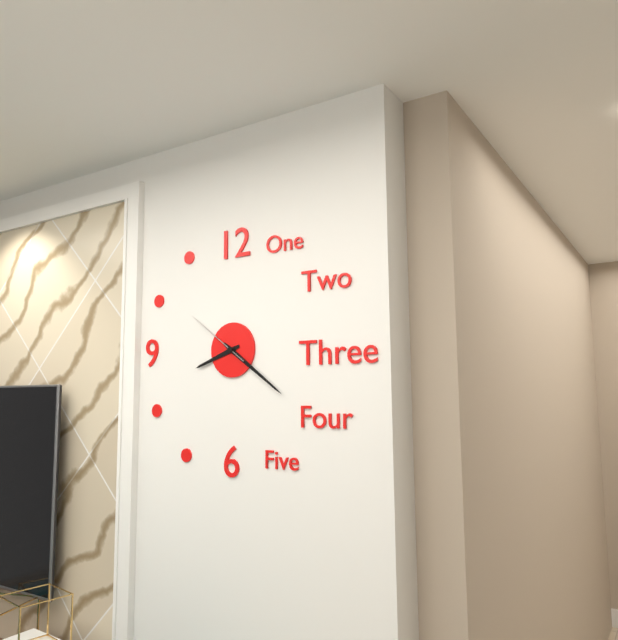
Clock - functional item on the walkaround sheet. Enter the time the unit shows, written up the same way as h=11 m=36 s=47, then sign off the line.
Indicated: h=8 m=21 s=51
